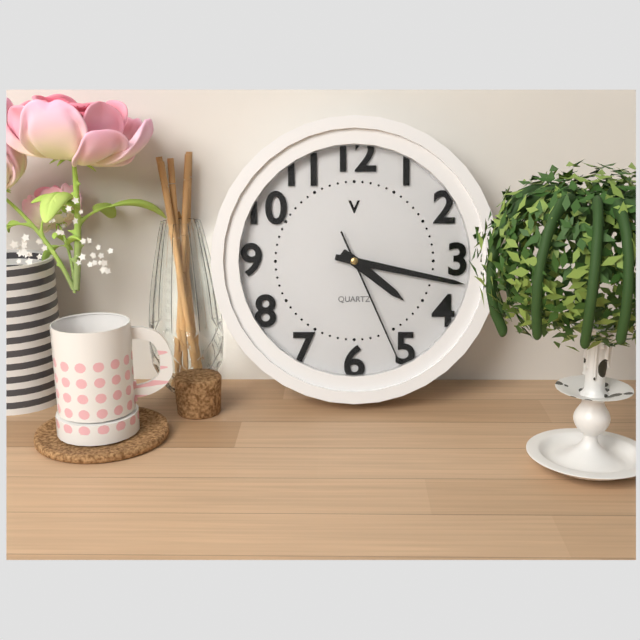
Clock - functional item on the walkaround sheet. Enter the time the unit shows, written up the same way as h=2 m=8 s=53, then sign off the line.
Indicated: h=4 m=17 s=26
